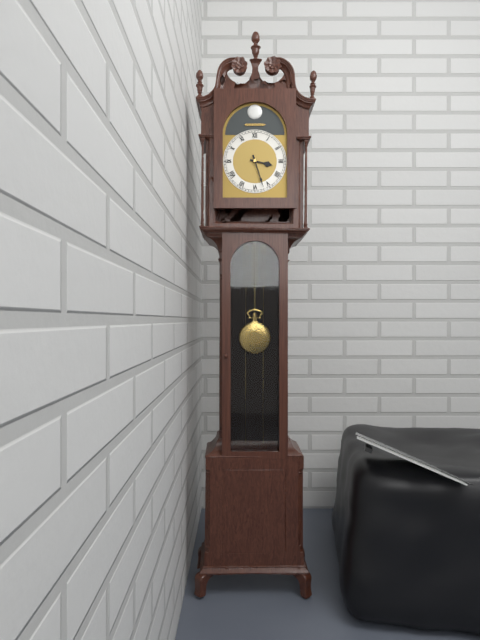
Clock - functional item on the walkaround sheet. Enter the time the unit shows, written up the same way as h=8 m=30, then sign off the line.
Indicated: h=3 m=27
